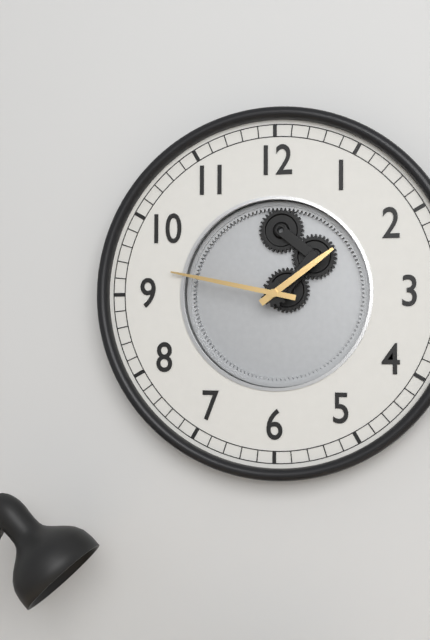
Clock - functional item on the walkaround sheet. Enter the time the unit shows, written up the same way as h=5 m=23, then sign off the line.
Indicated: h=1 m=47
